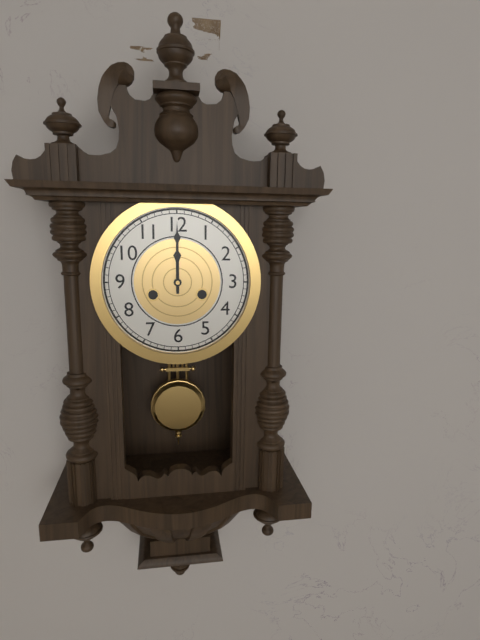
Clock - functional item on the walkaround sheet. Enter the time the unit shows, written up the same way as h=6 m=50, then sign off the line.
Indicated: h=12 m=0
